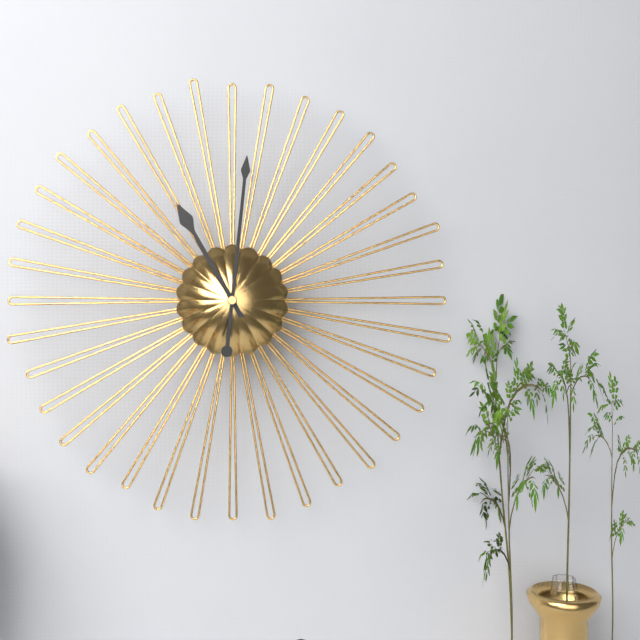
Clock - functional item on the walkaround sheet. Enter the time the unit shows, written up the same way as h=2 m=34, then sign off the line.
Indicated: h=11 m=1
